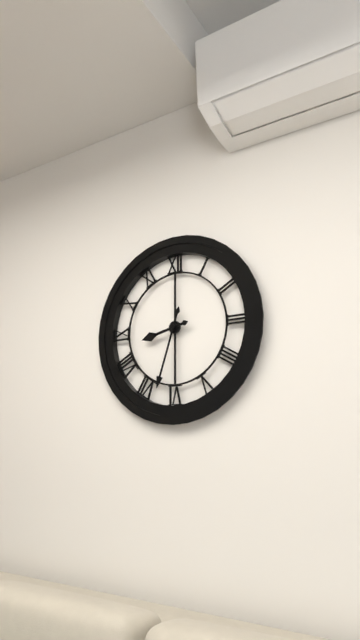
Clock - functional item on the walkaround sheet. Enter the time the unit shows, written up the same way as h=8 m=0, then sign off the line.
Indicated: h=8 m=33
